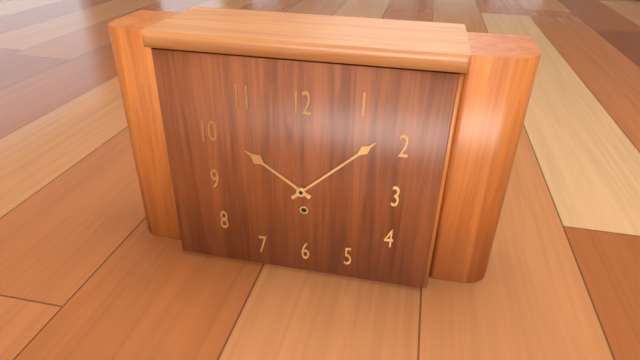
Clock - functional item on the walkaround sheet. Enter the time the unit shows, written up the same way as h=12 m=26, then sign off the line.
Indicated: h=10 m=8
